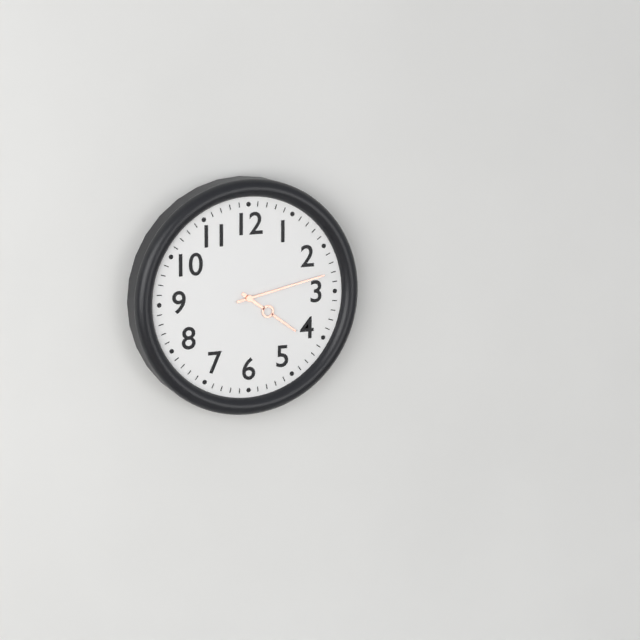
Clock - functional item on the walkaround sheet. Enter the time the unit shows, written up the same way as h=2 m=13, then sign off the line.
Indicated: h=4 m=13
